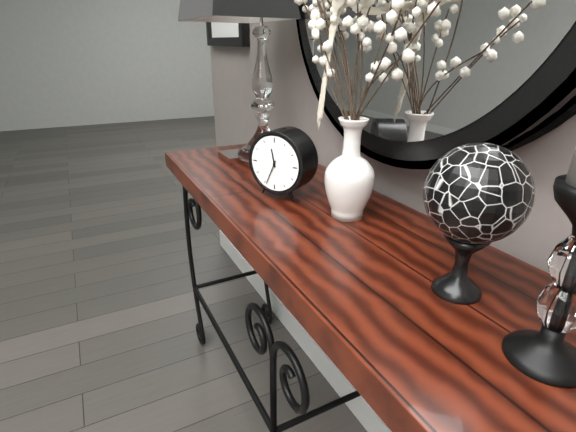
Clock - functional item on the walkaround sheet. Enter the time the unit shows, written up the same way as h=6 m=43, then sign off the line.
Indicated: h=11 m=34
